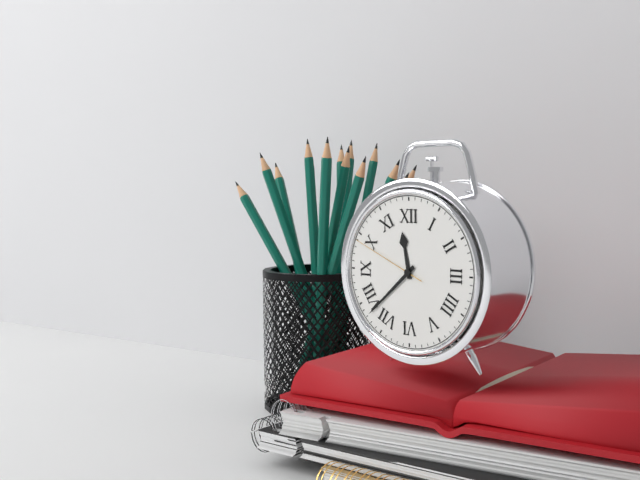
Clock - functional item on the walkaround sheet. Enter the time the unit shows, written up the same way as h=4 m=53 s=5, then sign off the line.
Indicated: h=11 m=38 s=49
